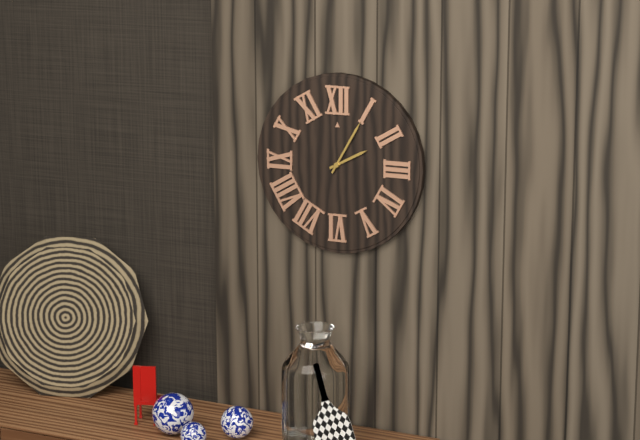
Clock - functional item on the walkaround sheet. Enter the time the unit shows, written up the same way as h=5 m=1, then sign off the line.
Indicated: h=2 m=5
